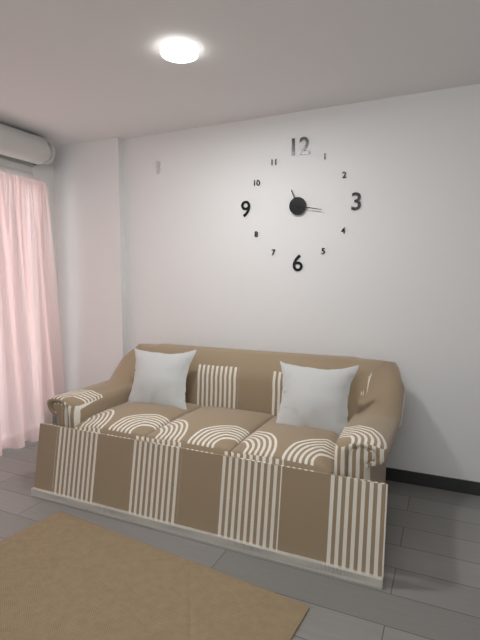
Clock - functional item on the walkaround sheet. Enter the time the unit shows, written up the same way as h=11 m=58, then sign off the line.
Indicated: h=11 m=17
